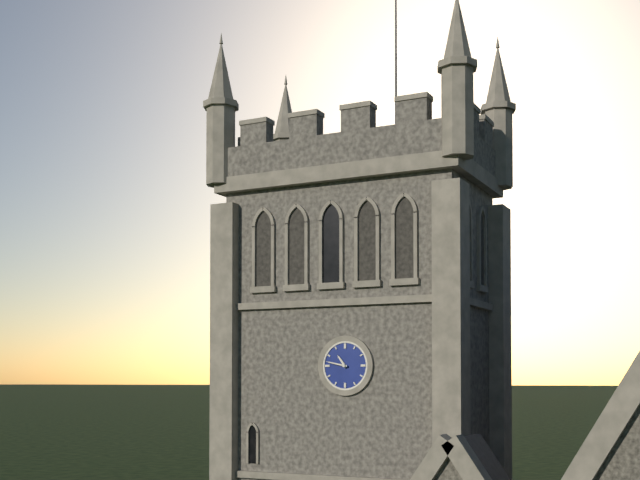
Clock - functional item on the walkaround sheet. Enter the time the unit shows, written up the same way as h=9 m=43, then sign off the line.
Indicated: h=10 m=47
